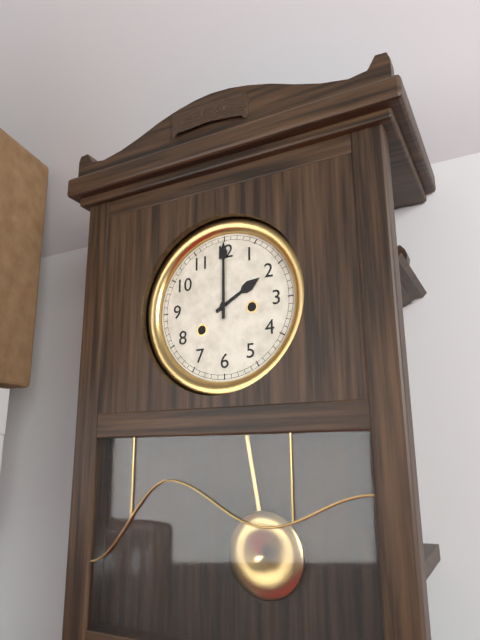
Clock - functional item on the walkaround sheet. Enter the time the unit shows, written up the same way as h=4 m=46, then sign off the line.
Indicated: h=2 m=0
